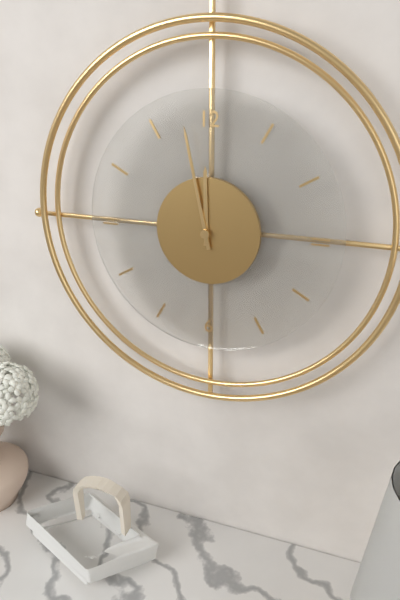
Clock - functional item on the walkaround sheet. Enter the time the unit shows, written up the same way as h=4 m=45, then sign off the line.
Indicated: h=11 m=58
